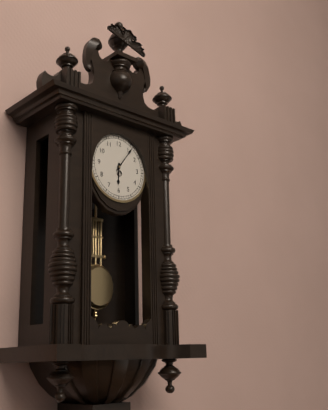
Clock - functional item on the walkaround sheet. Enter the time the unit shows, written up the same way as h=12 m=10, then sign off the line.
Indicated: h=6 m=6
